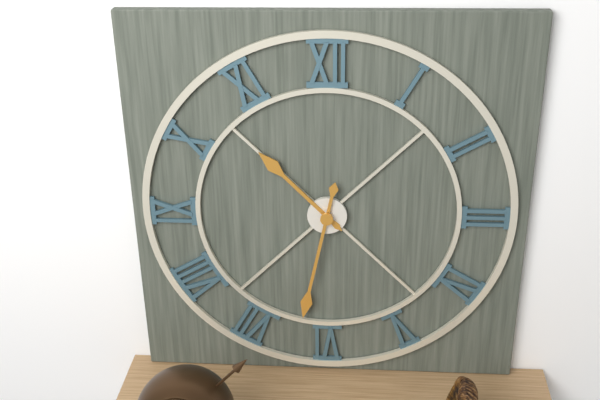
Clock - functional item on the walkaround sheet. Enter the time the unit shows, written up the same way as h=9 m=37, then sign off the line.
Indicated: h=10 m=32
